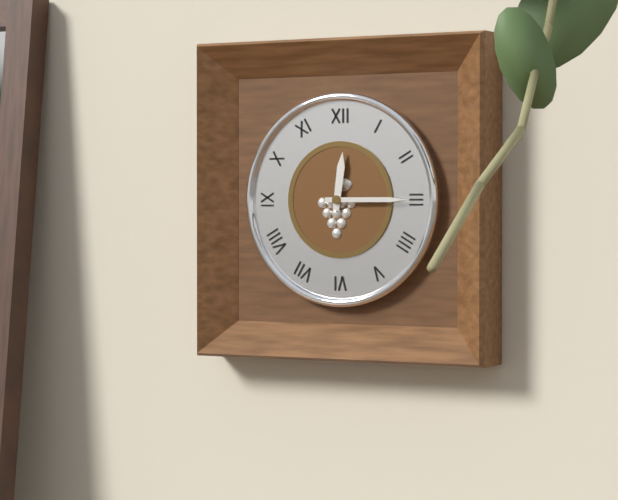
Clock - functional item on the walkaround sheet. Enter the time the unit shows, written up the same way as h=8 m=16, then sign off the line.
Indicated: h=12 m=15
